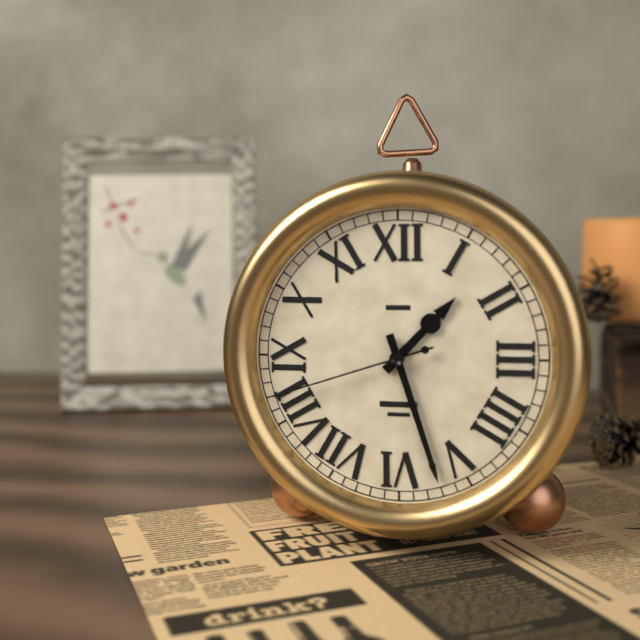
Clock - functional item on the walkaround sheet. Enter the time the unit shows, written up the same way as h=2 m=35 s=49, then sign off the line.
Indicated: h=1 m=27 s=42
